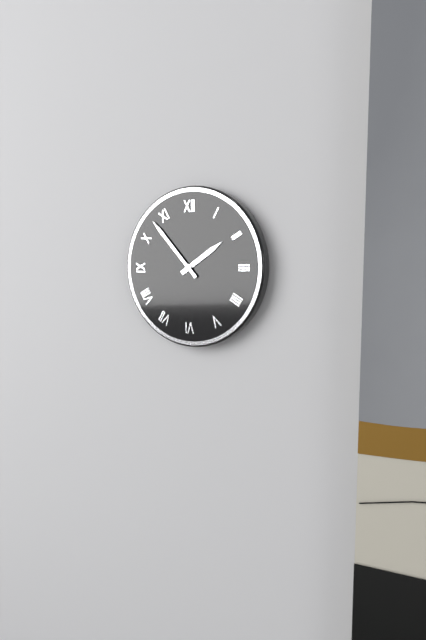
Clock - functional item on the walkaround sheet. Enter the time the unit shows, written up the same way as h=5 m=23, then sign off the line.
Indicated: h=1 m=53
